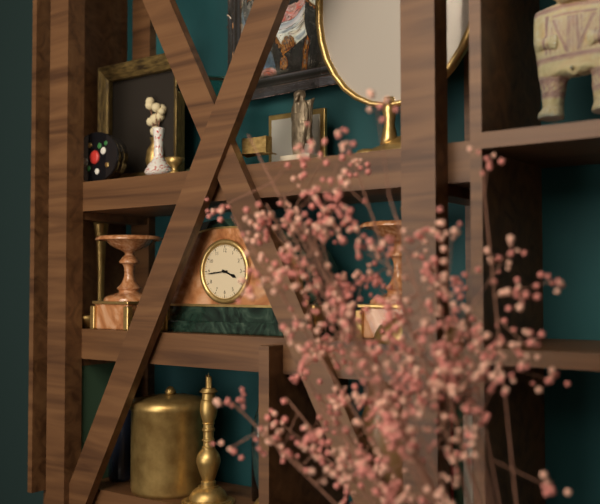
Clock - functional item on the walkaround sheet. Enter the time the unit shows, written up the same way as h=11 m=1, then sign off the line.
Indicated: h=3 m=44
